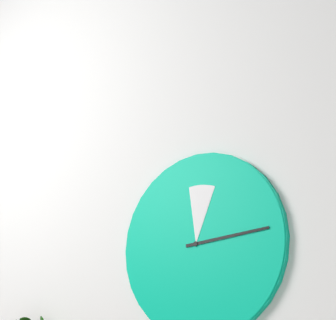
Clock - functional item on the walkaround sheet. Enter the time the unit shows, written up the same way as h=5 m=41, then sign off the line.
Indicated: h=12 m=14
